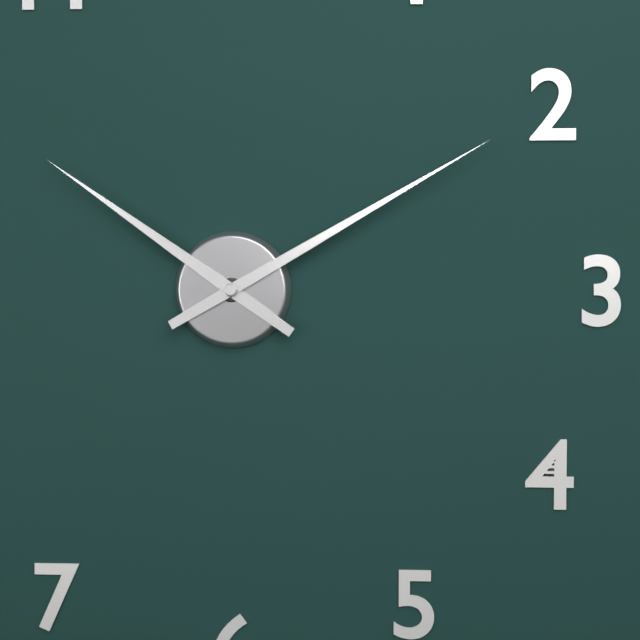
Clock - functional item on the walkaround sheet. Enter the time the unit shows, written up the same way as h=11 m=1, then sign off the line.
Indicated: h=10 m=10
